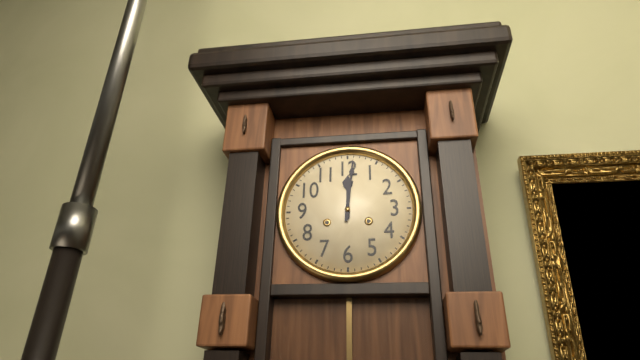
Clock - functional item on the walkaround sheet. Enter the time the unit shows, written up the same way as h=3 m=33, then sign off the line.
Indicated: h=12 m=1
